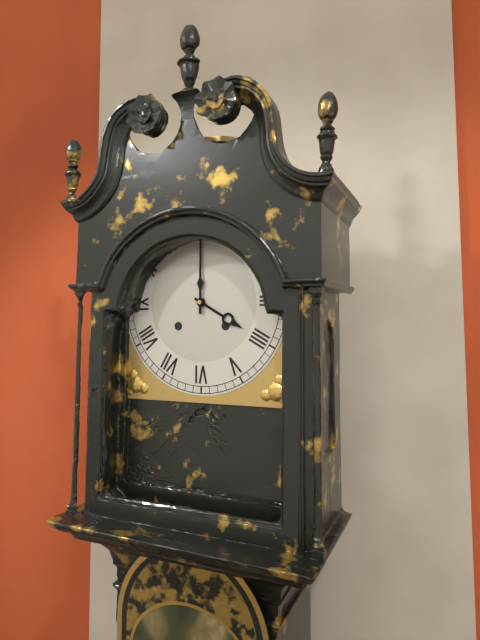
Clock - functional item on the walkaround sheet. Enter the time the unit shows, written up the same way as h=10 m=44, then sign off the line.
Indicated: h=4 m=0
